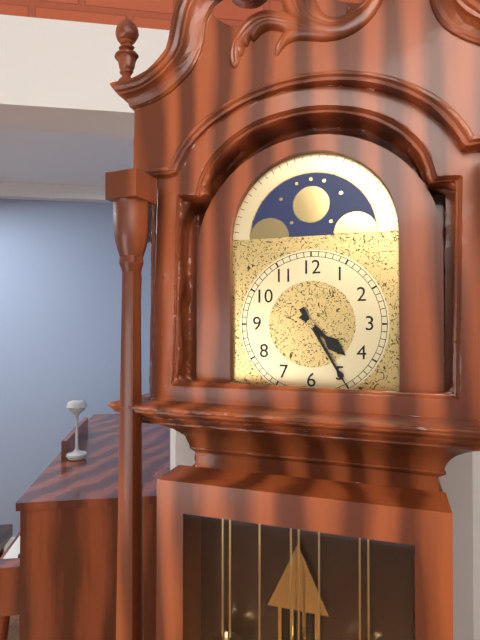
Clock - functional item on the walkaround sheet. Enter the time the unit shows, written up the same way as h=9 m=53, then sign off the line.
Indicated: h=4 m=25
